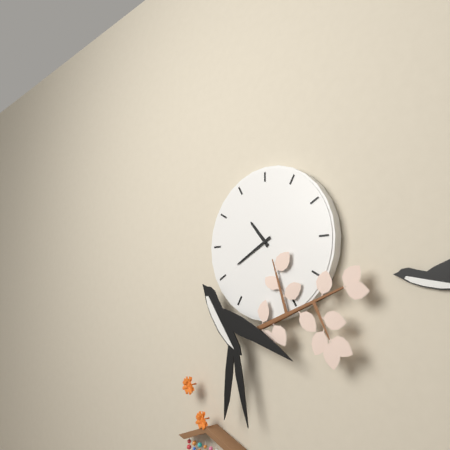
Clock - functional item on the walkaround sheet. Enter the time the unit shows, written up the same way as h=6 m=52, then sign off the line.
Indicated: h=10 m=40
